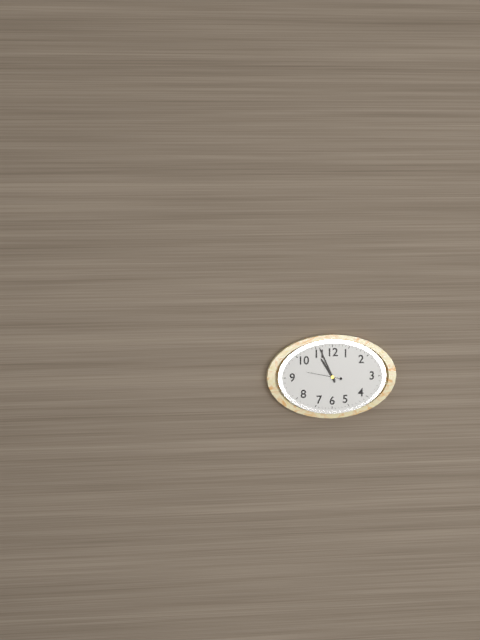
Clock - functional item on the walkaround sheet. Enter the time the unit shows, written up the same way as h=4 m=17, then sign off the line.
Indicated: h=10 m=56
